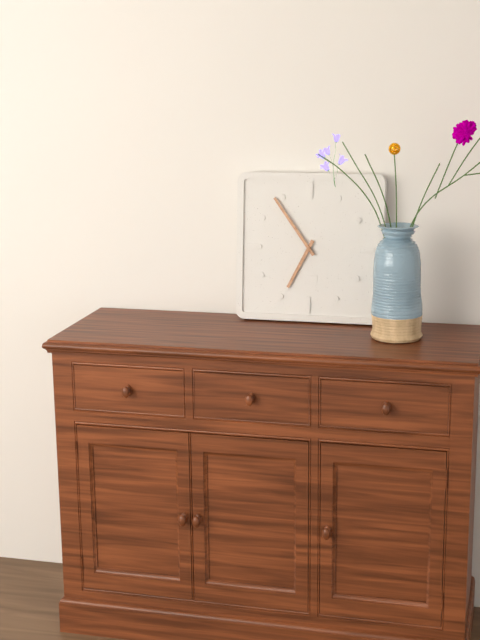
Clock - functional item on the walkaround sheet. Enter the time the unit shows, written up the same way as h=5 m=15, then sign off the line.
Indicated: h=6 m=54
